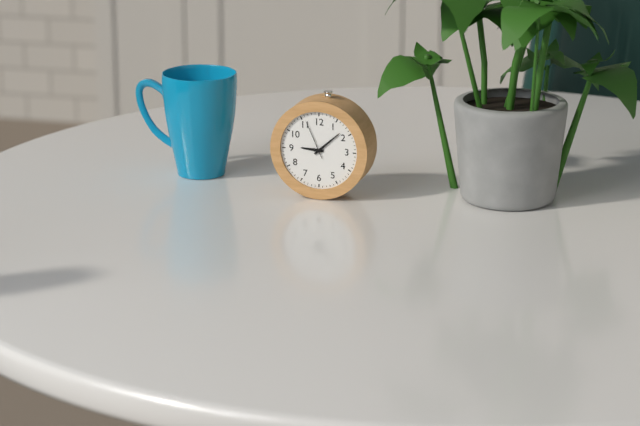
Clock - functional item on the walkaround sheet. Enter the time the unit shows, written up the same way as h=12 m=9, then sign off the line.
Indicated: h=9 m=8
